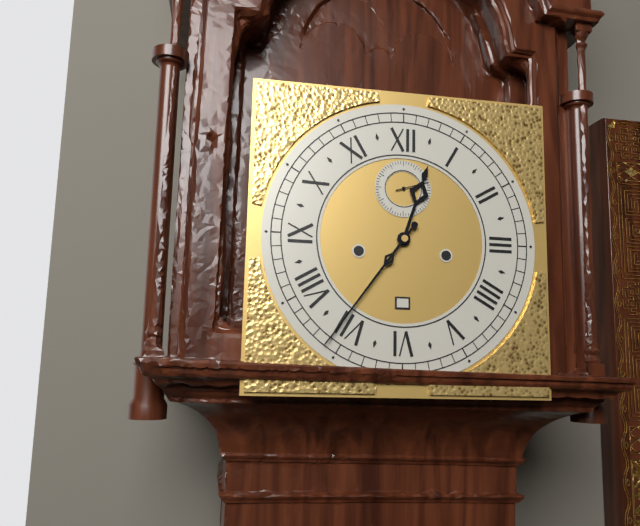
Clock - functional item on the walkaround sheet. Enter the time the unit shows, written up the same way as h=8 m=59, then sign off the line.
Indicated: h=12 m=36
